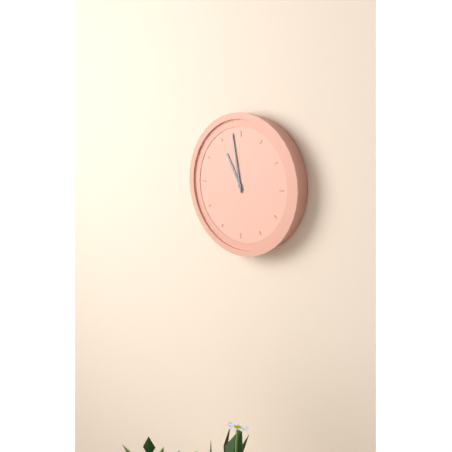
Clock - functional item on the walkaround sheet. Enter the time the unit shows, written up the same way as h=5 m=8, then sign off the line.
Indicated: h=10 m=58
